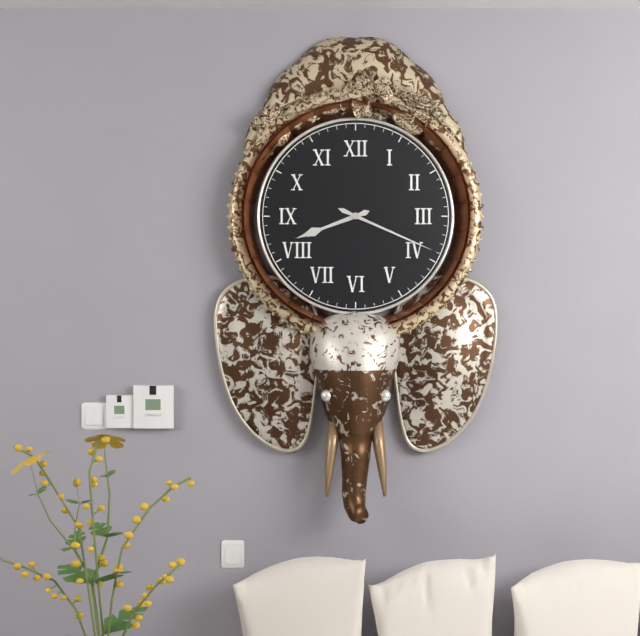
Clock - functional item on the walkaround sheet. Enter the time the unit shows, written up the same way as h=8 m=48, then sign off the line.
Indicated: h=8 m=19
